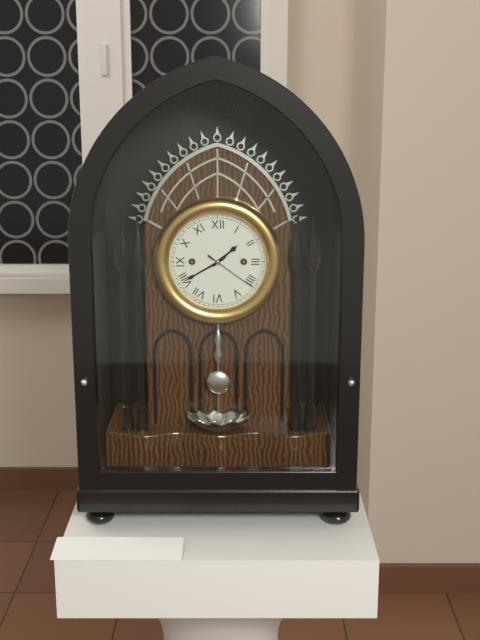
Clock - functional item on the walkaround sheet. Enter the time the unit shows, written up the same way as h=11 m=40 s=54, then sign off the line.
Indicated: h=1 m=40 s=21
